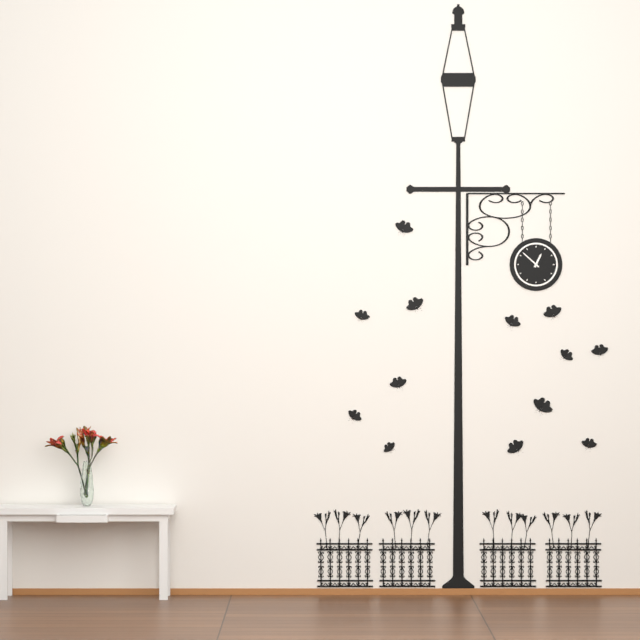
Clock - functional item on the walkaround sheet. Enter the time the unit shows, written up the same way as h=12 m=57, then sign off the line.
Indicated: h=12 m=52
